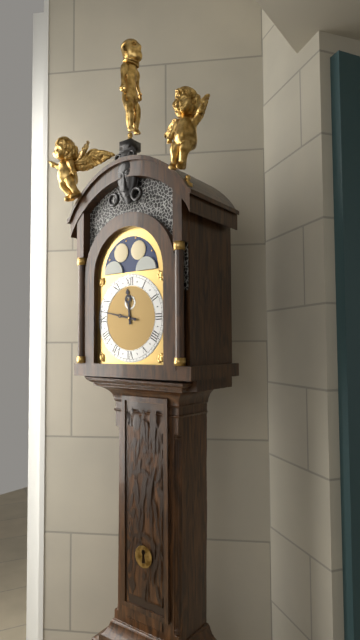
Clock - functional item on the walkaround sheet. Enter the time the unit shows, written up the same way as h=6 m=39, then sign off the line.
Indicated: h=11 m=47
